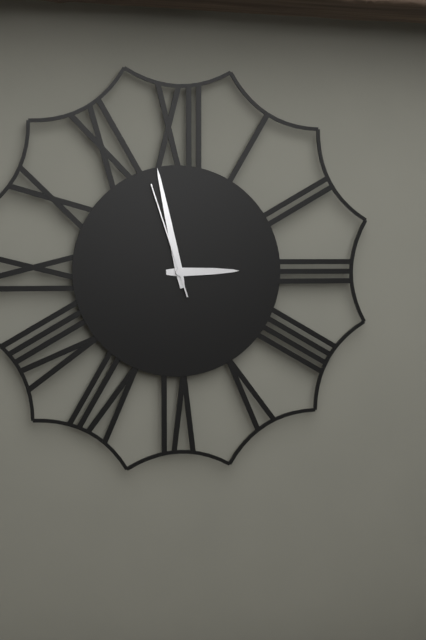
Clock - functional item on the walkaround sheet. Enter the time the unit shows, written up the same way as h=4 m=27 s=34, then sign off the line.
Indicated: h=2 m=58 s=57
